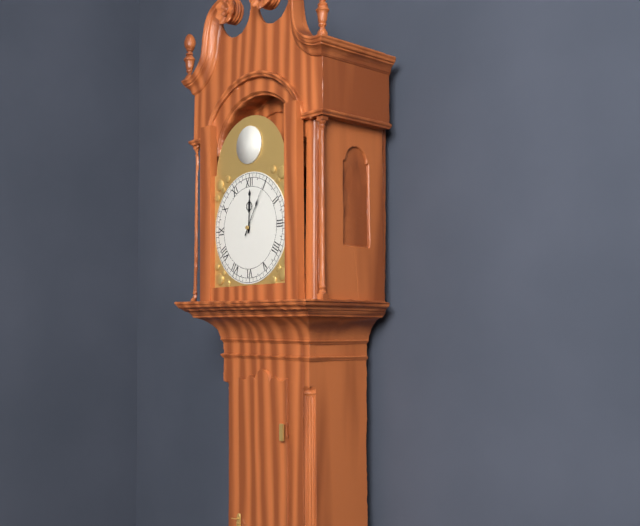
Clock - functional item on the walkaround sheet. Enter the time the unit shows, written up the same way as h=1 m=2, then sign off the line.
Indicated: h=12 m=5
